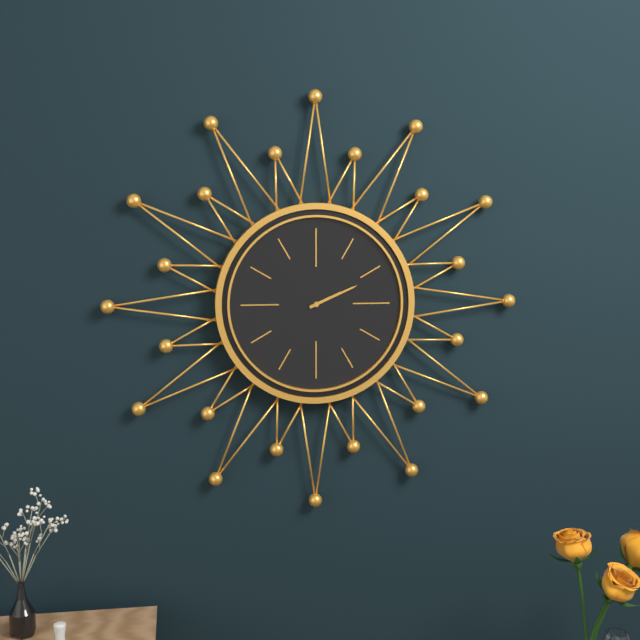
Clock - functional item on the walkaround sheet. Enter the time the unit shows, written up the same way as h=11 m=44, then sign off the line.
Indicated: h=2 m=11
